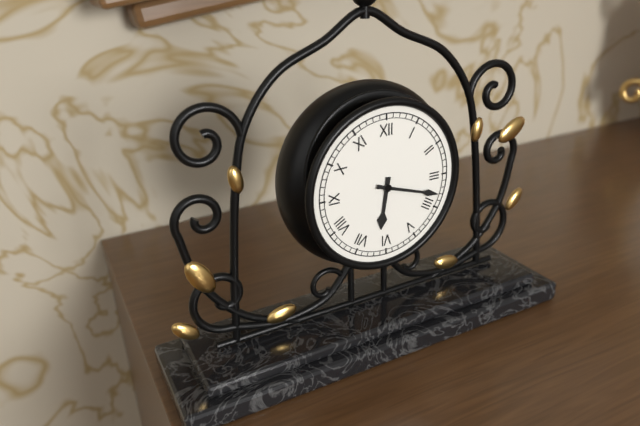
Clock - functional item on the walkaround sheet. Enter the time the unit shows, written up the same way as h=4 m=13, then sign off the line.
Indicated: h=6 m=18
